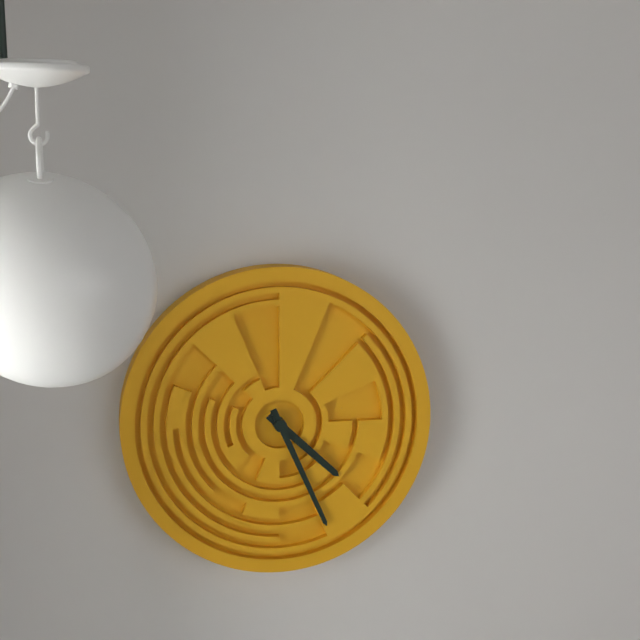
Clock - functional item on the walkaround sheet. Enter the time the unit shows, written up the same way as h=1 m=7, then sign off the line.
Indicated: h=4 m=26
